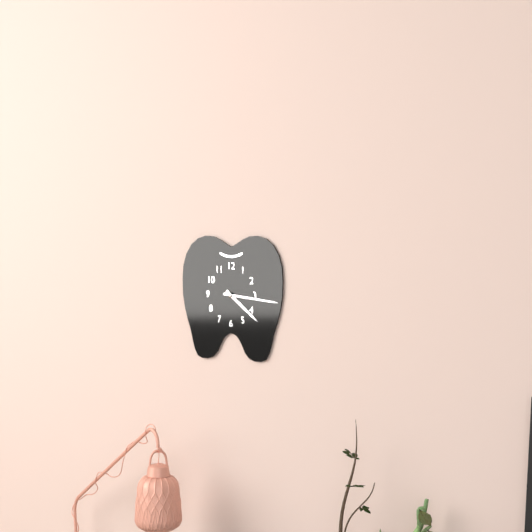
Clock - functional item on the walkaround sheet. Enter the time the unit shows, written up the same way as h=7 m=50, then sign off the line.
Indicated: h=4 m=16
